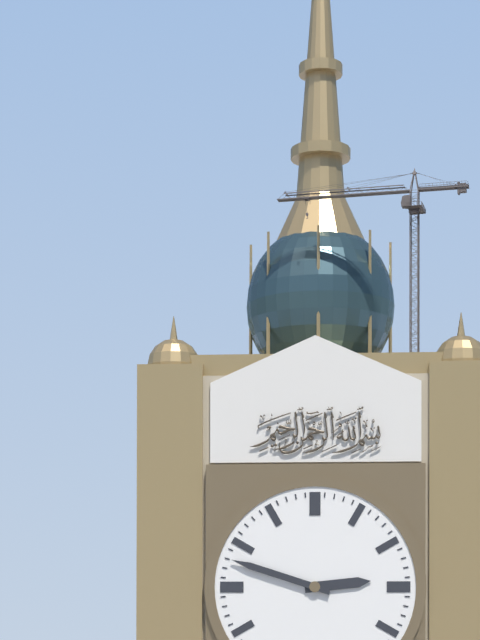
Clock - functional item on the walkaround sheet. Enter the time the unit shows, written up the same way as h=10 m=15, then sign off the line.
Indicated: h=2 m=48
